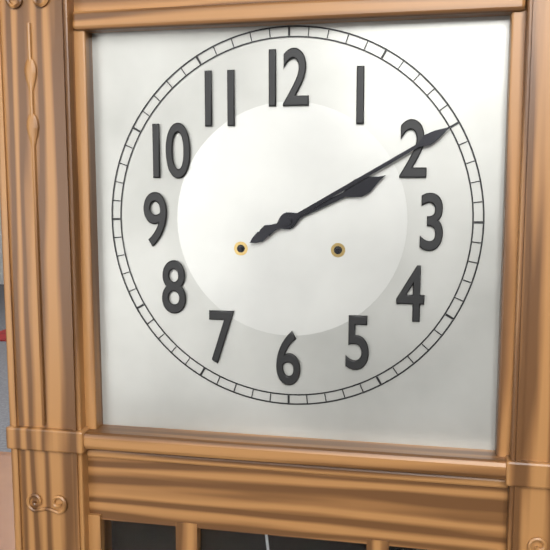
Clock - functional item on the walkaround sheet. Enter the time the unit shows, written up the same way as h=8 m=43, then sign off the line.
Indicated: h=2 m=10
